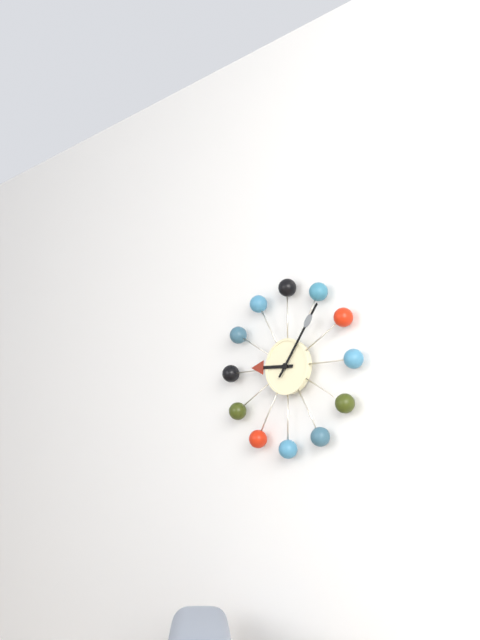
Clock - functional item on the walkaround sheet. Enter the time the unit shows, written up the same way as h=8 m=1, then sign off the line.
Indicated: h=9 m=6
